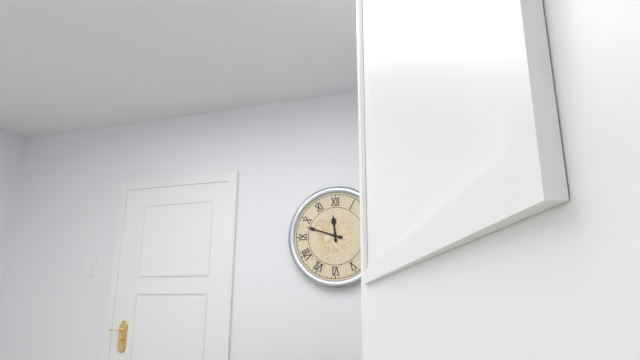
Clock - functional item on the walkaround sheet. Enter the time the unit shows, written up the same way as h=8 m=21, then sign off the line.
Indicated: h=11 m=48
